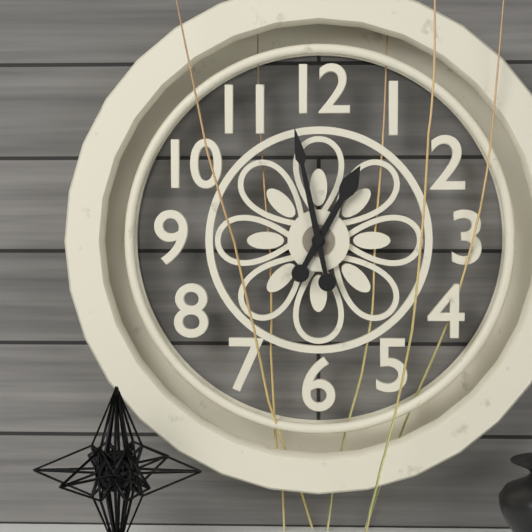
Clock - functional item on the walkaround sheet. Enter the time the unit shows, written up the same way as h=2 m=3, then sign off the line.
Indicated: h=12 m=58
